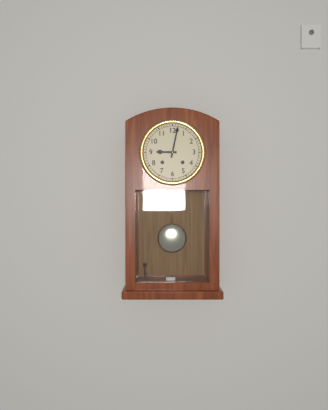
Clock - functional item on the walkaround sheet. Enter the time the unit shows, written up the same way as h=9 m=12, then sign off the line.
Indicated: h=9 m=2
